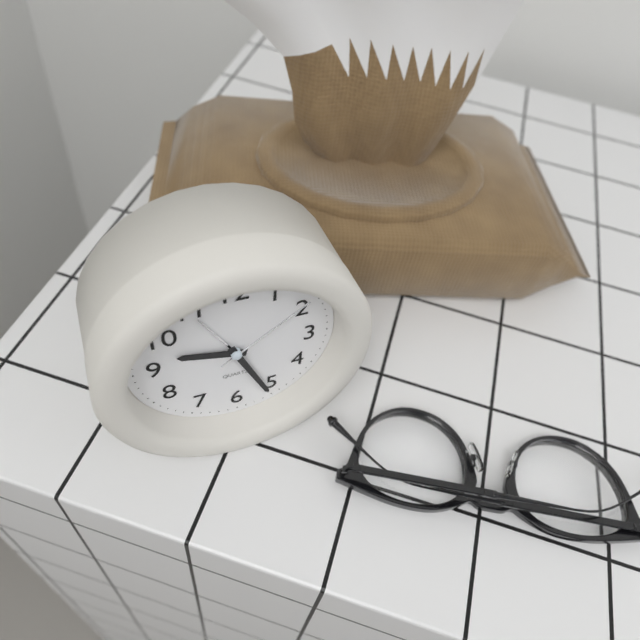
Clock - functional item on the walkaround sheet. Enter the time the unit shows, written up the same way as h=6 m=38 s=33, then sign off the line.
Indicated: h=9 m=26 s=9
